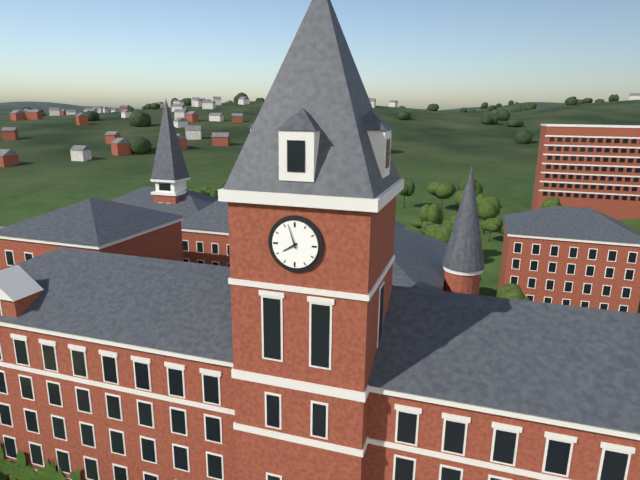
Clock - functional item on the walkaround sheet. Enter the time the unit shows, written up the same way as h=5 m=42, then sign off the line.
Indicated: h=7 m=57
